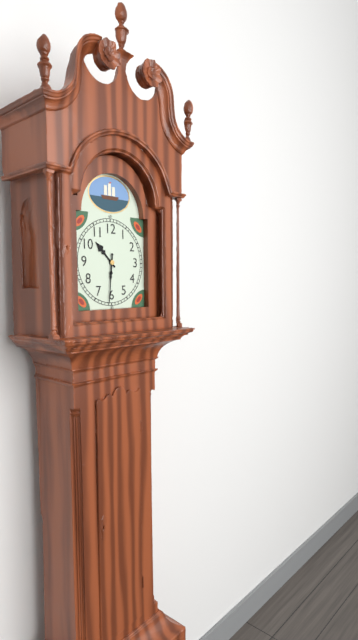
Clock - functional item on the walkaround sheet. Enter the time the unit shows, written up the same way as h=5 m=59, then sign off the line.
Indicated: h=10 m=31
